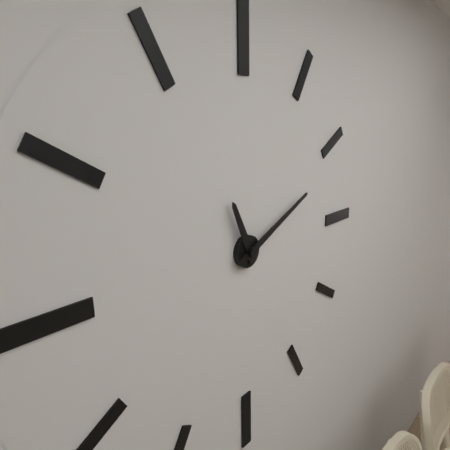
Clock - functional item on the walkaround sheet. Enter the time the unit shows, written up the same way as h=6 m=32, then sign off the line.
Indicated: h=11 m=11
